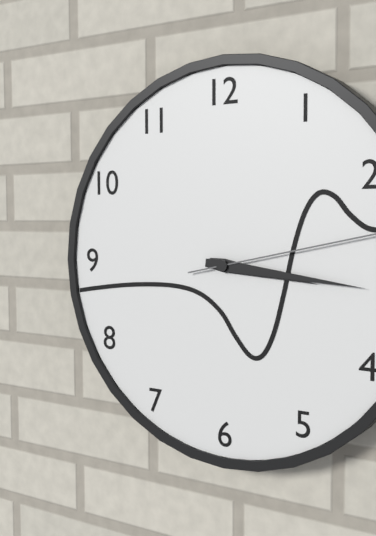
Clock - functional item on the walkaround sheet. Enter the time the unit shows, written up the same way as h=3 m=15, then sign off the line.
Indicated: h=3 m=16
